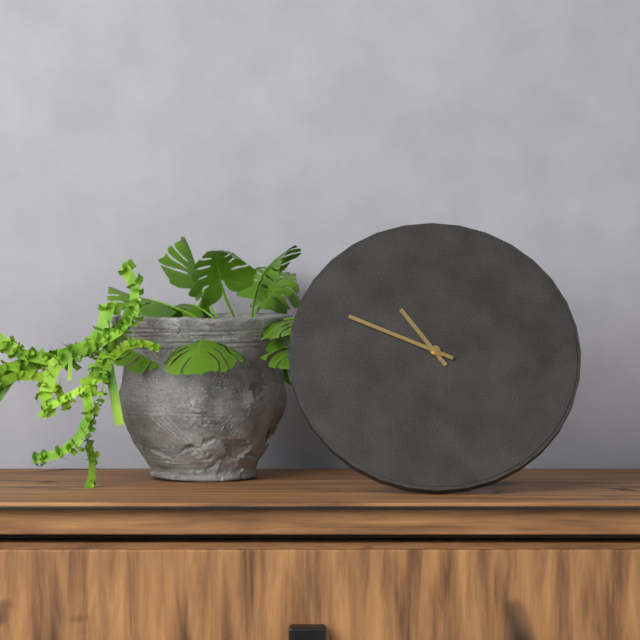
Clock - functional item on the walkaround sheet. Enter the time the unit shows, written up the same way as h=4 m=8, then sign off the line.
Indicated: h=10 m=49
